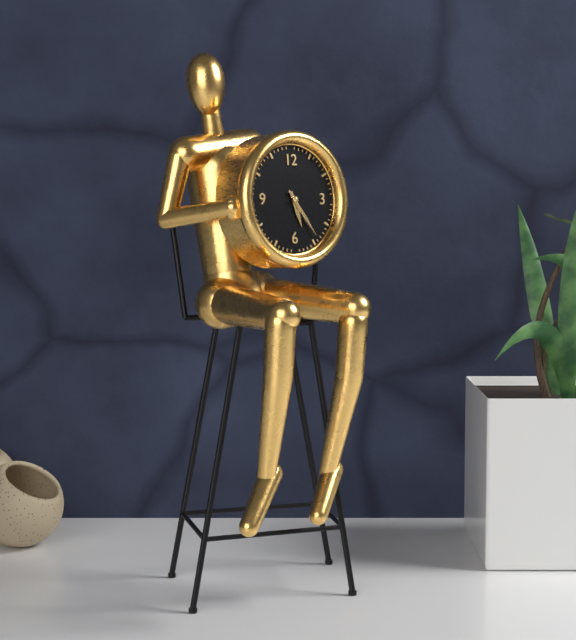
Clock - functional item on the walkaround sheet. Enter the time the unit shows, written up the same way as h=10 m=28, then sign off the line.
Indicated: h=5 m=24
